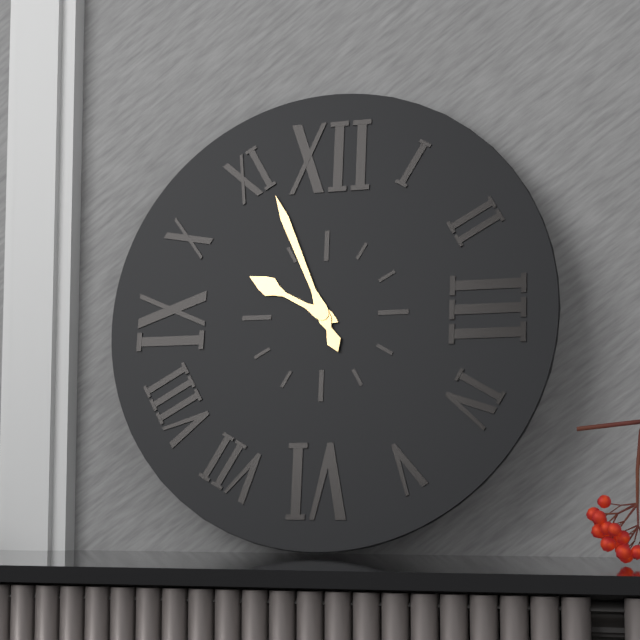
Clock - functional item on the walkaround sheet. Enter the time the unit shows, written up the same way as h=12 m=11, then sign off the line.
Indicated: h=9 m=56
